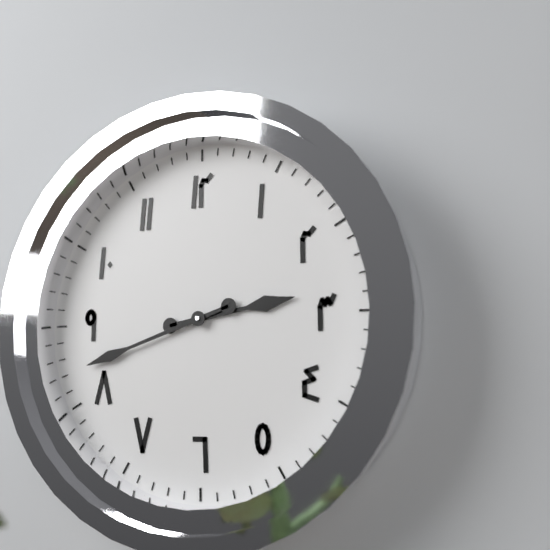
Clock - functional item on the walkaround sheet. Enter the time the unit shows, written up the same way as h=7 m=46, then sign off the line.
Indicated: h=2 m=42
